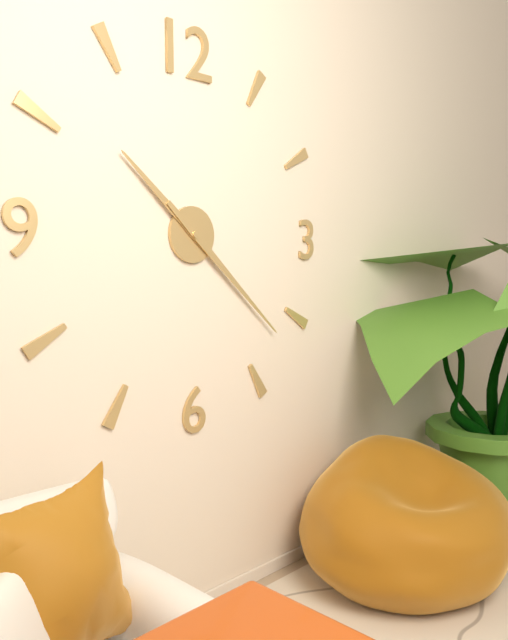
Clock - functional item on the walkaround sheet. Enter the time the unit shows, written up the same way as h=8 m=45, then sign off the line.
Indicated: h=10 m=22
